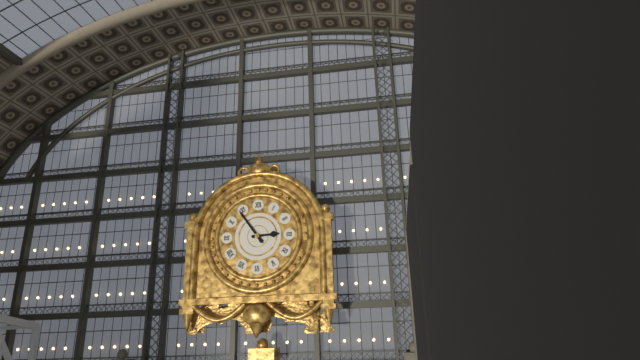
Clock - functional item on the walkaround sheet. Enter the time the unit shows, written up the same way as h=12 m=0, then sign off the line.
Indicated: h=2 m=54
